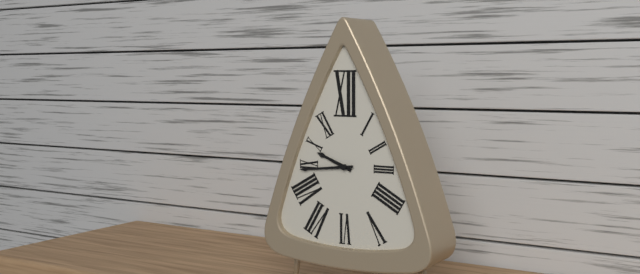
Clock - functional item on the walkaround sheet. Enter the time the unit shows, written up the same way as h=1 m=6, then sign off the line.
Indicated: h=9 m=44
